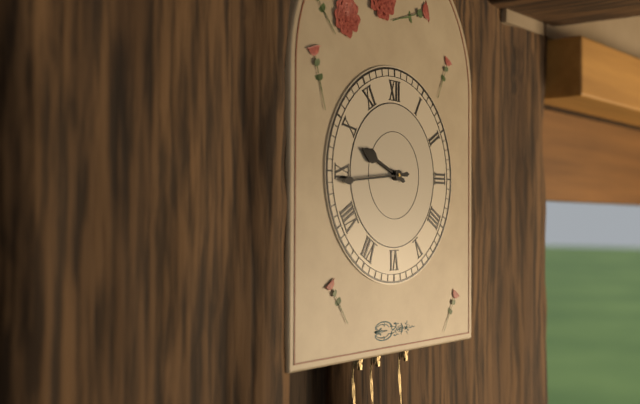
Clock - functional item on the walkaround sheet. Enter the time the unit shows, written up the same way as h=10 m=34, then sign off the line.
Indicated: h=9 m=44
